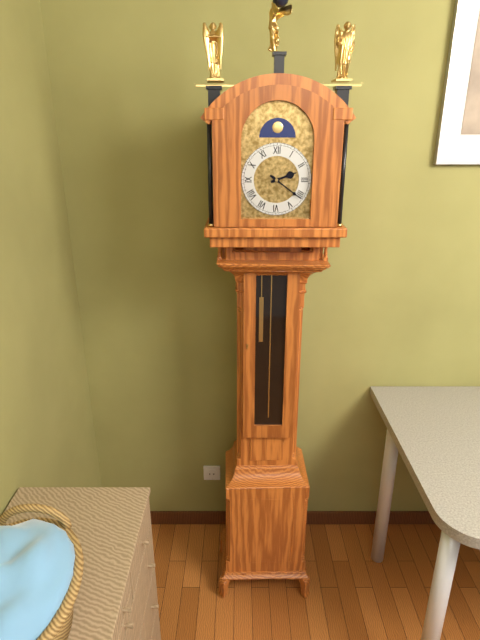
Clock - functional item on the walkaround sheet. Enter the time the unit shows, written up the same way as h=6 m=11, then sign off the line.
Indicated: h=2 m=21
